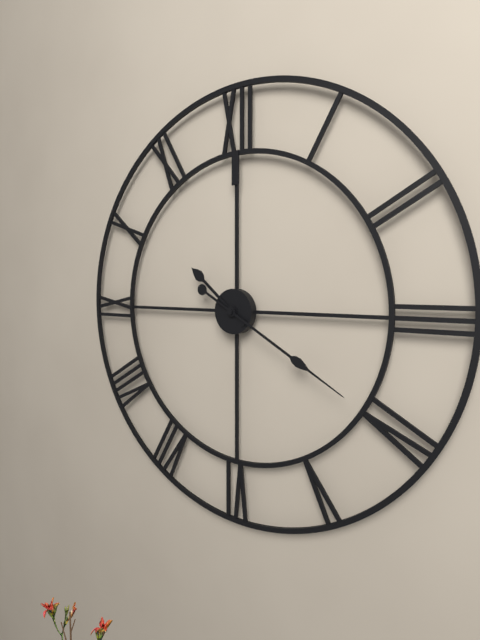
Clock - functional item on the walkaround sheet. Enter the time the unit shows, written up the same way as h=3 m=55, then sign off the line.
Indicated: h=10 m=20
